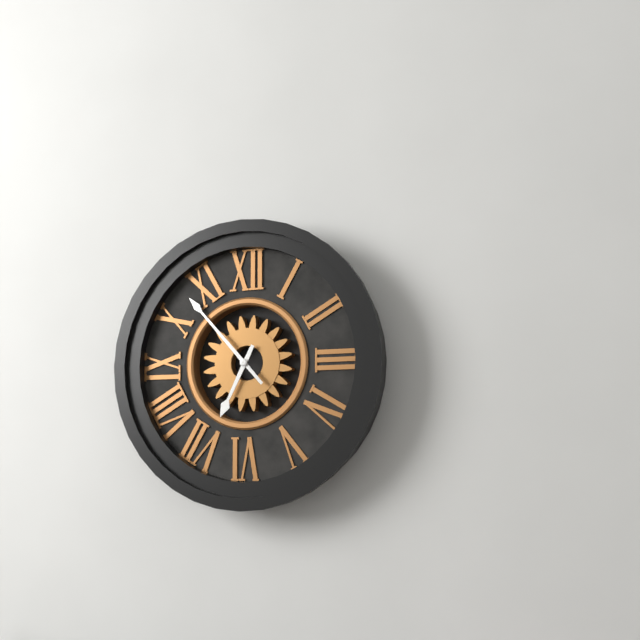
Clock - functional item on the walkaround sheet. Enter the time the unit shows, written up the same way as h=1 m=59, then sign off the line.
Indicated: h=6 m=53
